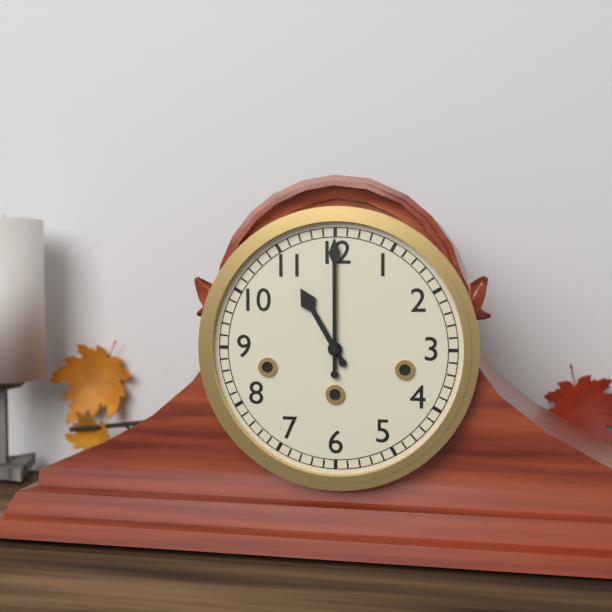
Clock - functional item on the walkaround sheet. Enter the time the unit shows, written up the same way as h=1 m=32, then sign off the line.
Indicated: h=11 m=0
